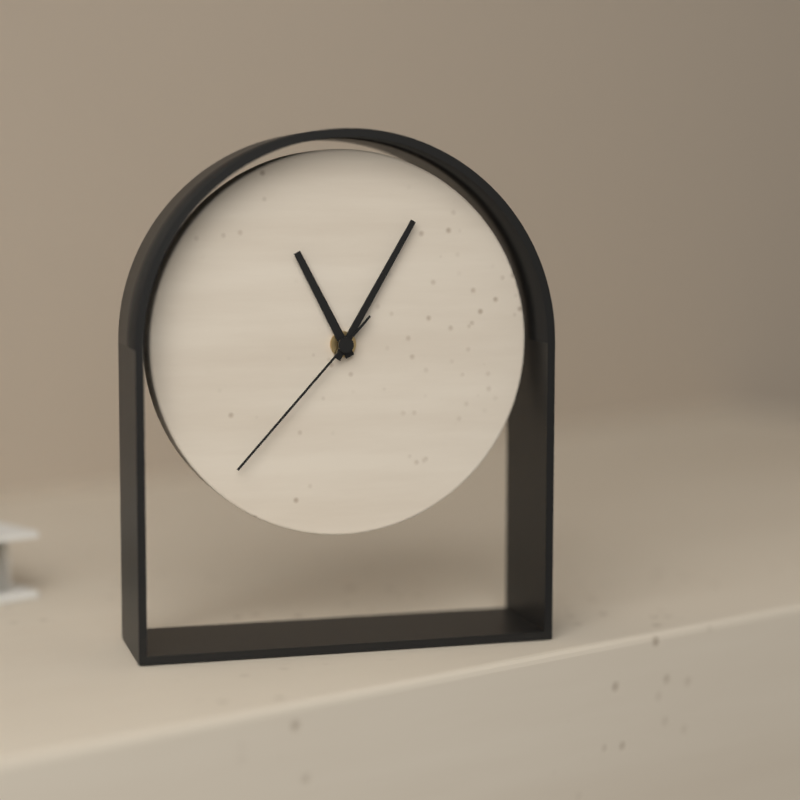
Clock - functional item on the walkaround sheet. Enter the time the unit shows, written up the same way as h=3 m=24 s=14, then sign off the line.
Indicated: h=11 m=5 s=37
